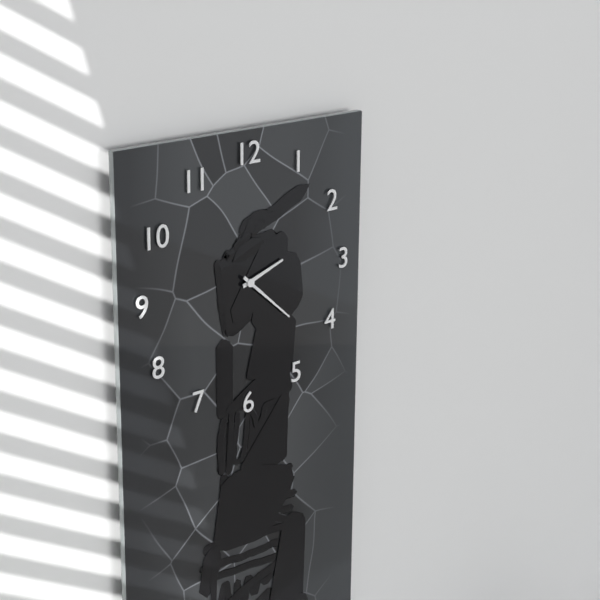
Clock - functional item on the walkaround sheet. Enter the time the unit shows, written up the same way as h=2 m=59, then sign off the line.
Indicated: h=2 m=22
